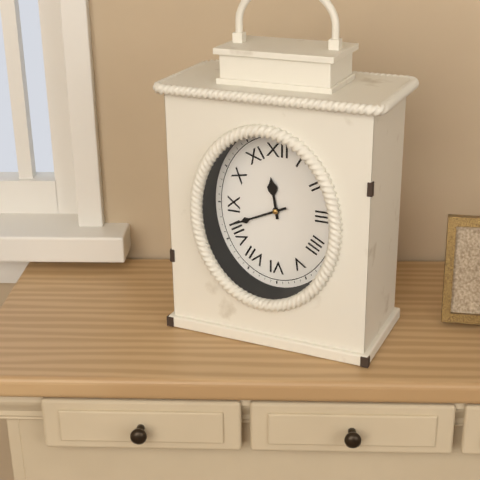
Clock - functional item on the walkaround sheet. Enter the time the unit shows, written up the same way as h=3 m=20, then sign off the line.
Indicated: h=11 m=41
